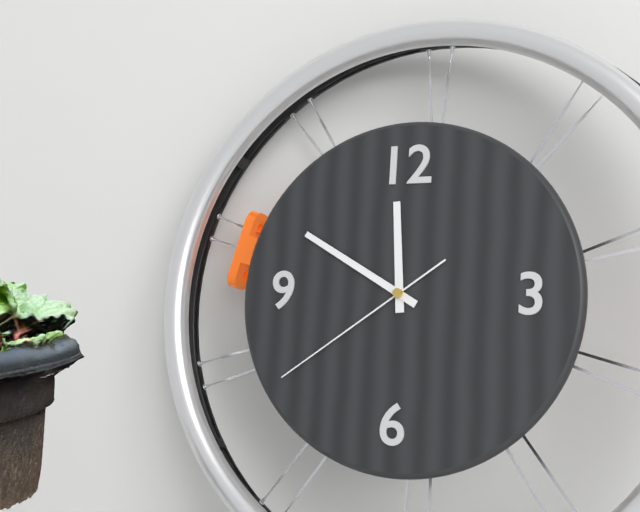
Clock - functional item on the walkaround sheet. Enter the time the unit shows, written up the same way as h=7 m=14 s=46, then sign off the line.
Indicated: h=11 m=50 s=39
